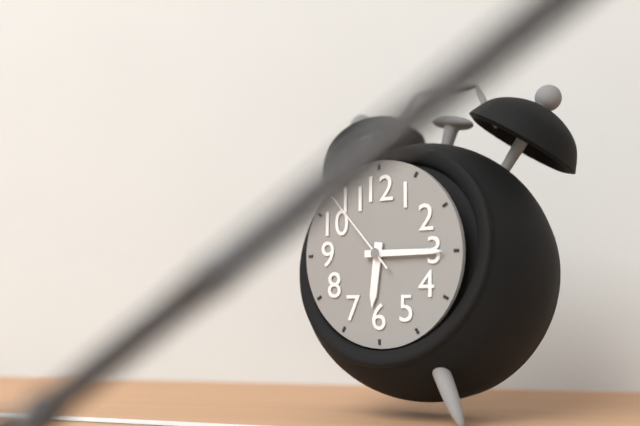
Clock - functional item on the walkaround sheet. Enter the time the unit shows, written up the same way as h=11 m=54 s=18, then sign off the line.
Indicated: h=6 m=15 s=53
